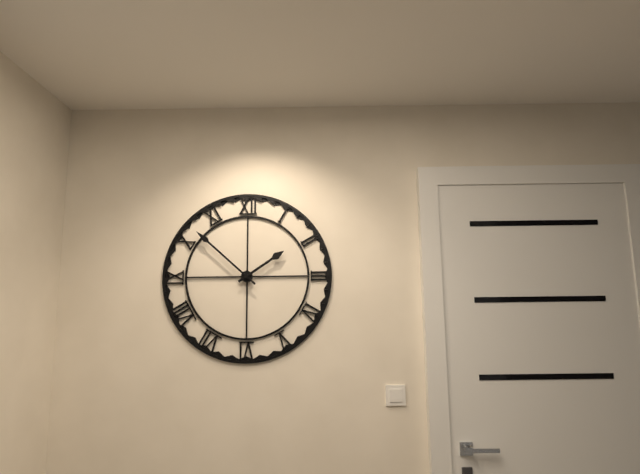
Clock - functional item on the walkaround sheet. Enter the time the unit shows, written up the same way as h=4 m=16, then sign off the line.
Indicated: h=1 m=52
